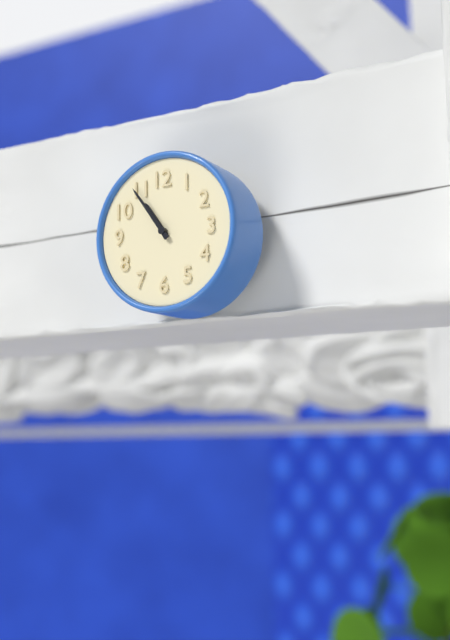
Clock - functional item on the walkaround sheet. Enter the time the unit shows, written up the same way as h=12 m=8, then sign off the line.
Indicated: h=10 m=54
